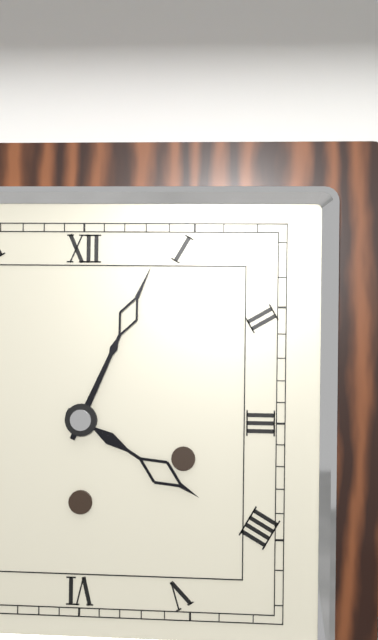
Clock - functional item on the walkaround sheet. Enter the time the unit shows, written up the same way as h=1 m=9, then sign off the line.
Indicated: h=4 m=4
